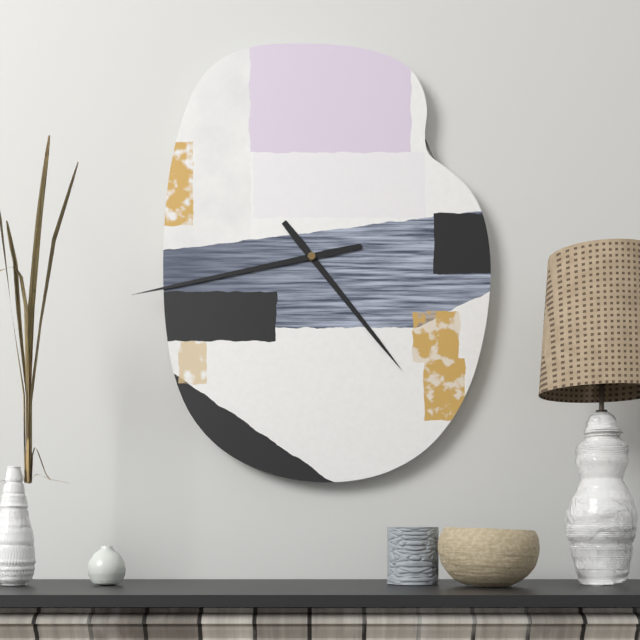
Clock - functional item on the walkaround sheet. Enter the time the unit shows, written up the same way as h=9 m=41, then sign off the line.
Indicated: h=4 m=43
